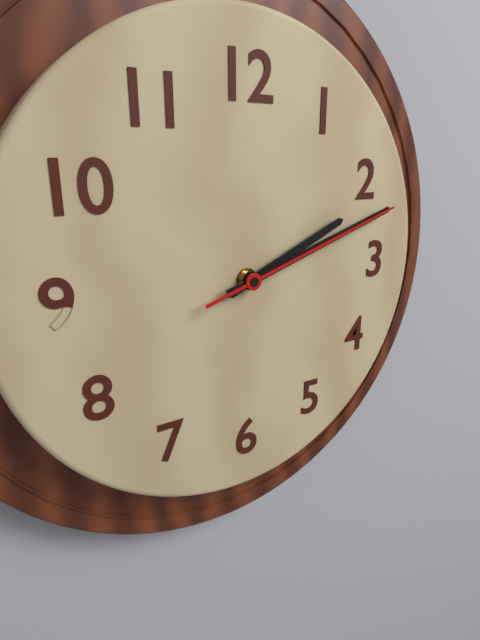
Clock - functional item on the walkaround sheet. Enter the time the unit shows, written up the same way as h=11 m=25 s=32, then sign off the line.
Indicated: h=2 m=12 s=12
